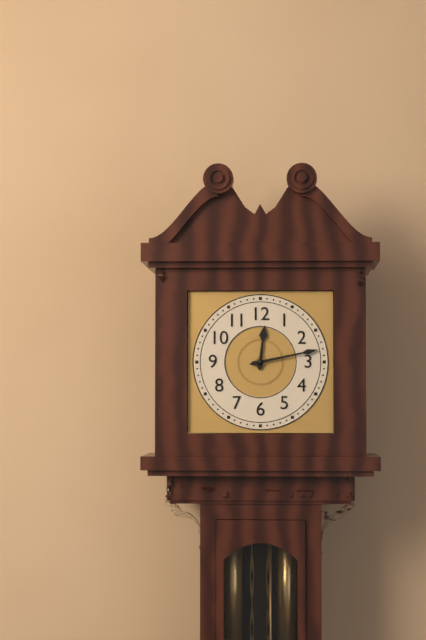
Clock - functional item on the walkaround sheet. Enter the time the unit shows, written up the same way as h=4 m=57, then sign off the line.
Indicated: h=12 m=13
